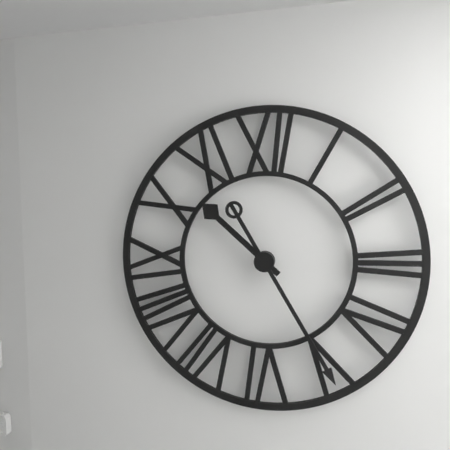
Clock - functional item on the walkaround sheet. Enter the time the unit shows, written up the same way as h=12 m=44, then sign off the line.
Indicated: h=10 m=25
